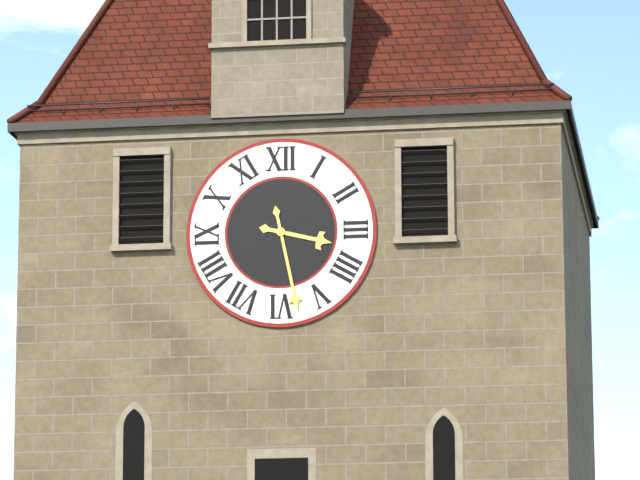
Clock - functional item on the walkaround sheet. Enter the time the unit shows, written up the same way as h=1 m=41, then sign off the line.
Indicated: h=3 m=28
